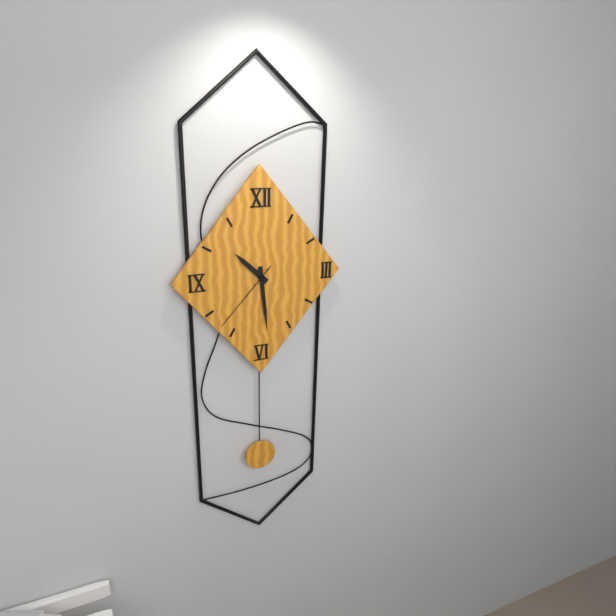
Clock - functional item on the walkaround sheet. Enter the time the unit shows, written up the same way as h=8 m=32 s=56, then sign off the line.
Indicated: h=10 m=29 s=37
